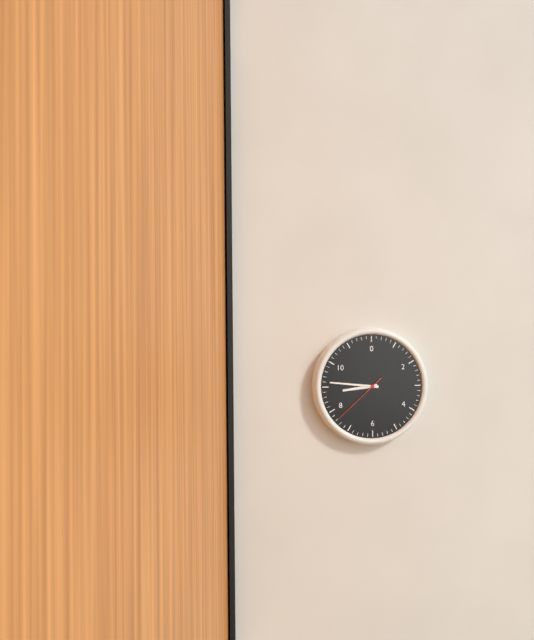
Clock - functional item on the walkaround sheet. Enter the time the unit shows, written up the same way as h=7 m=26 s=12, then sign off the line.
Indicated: h=8 m=46 s=38
